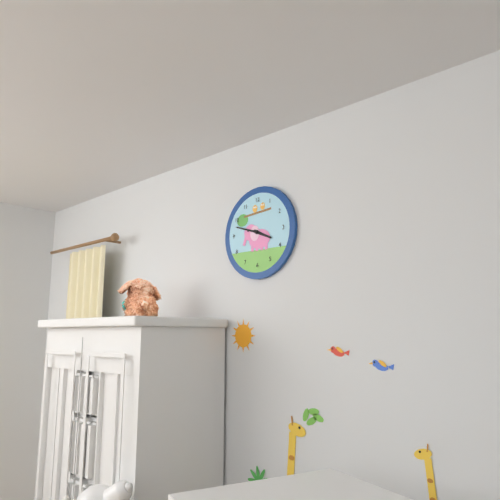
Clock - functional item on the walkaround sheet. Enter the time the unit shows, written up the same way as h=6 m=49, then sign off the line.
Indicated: h=3 m=48
